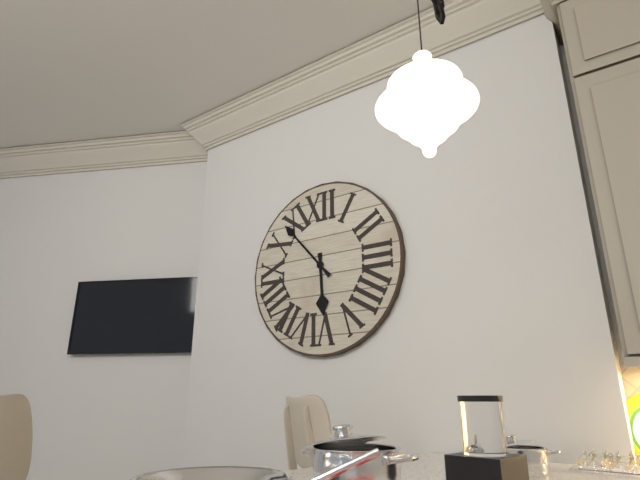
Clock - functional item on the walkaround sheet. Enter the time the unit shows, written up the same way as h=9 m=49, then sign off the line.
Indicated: h=5 m=53
